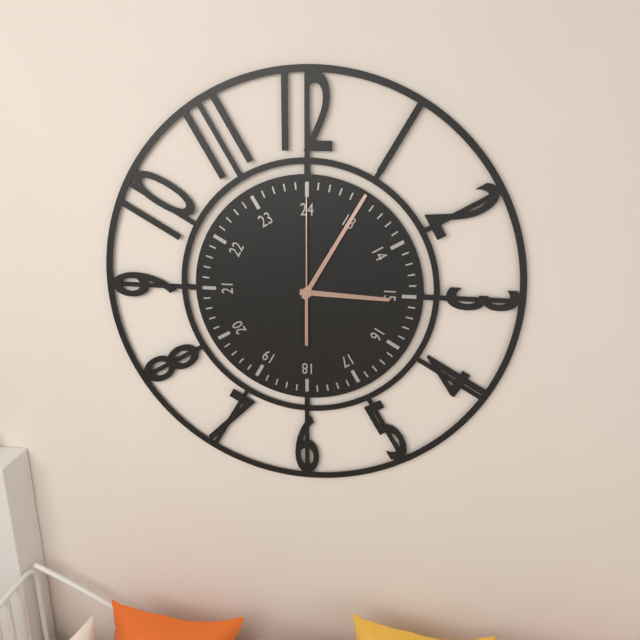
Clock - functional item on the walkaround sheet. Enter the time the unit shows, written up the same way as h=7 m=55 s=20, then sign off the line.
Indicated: h=3 m=5 s=0
